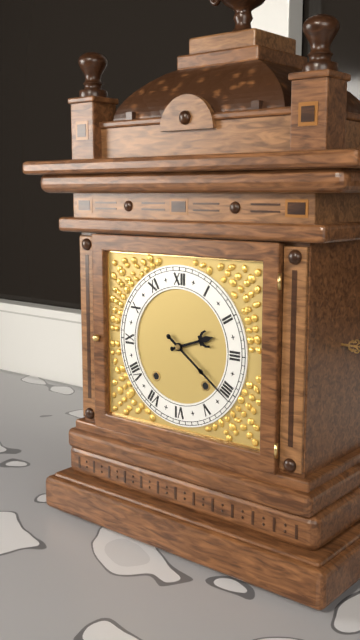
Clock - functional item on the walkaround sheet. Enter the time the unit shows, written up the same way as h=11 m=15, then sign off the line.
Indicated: h=2 m=21
